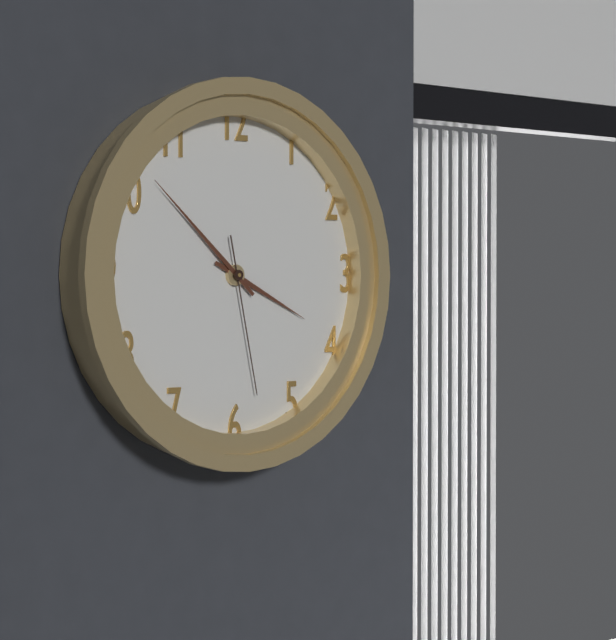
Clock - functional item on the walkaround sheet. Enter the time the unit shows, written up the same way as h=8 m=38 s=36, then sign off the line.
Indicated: h=3 m=52 s=28
